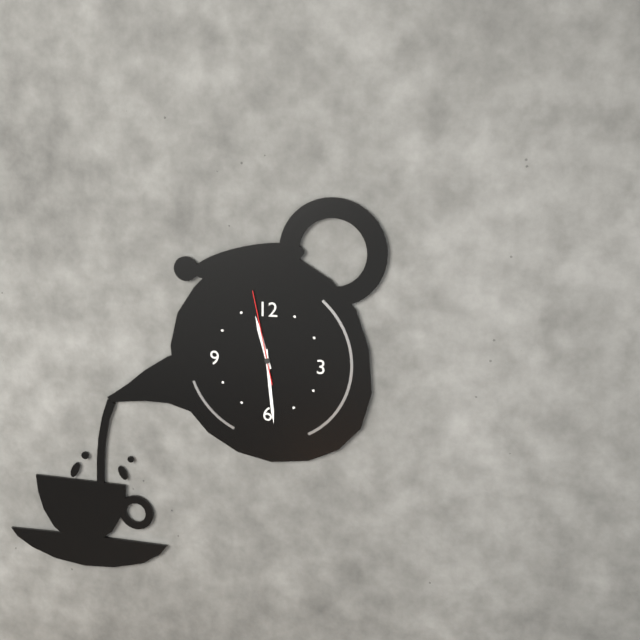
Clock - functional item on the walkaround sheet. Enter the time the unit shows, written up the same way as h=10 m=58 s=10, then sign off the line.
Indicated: h=11 m=29 s=58
